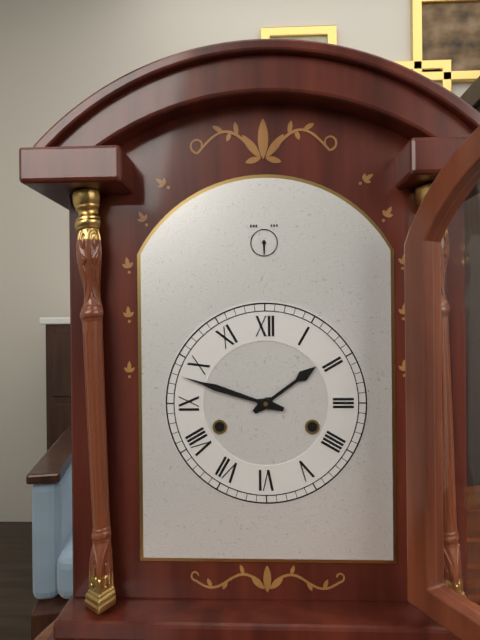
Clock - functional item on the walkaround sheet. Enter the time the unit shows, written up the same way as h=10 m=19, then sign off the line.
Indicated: h=1 m=48
